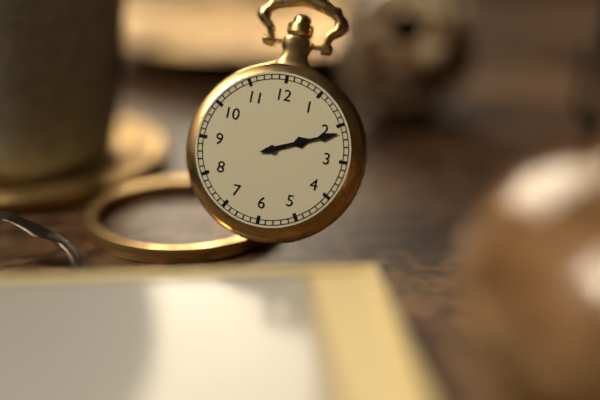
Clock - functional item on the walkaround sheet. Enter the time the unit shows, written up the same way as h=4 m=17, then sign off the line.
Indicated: h=2 m=11
